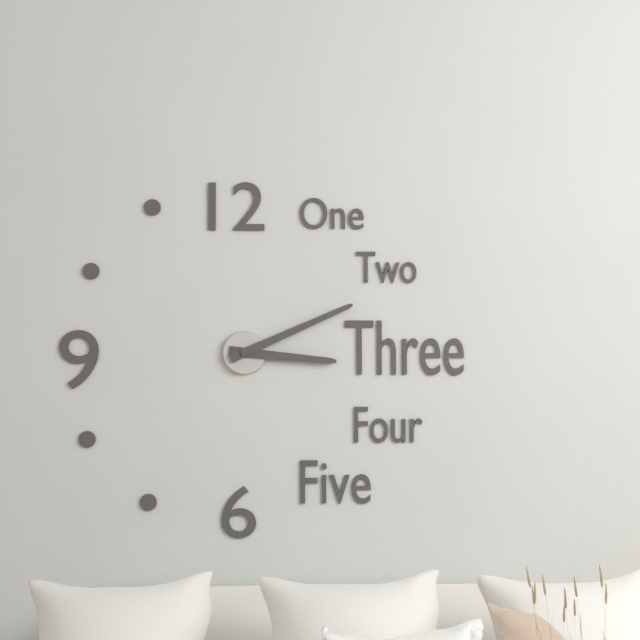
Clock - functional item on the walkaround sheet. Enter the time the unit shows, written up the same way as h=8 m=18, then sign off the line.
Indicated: h=3 m=11
